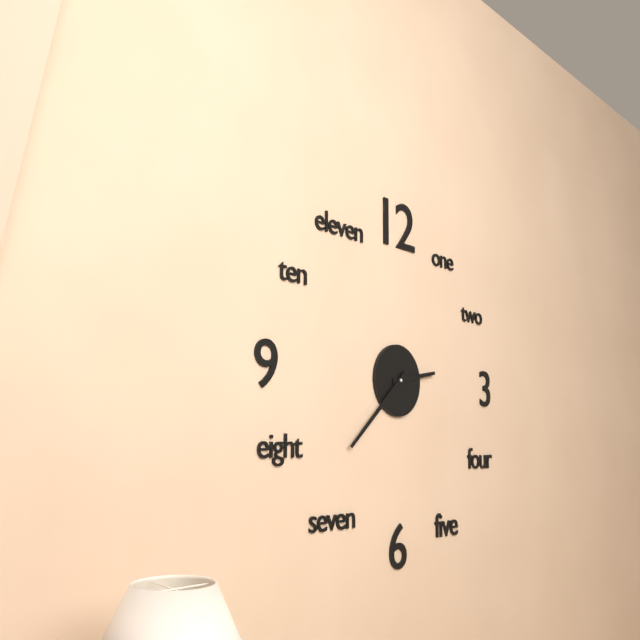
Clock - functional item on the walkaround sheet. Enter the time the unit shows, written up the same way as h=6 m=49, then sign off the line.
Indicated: h=2 m=38
